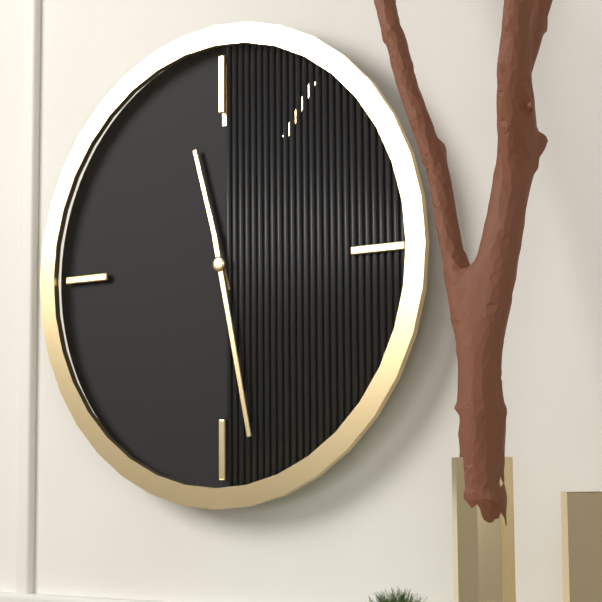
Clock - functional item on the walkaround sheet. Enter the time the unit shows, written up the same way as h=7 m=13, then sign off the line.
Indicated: h=11 m=28
